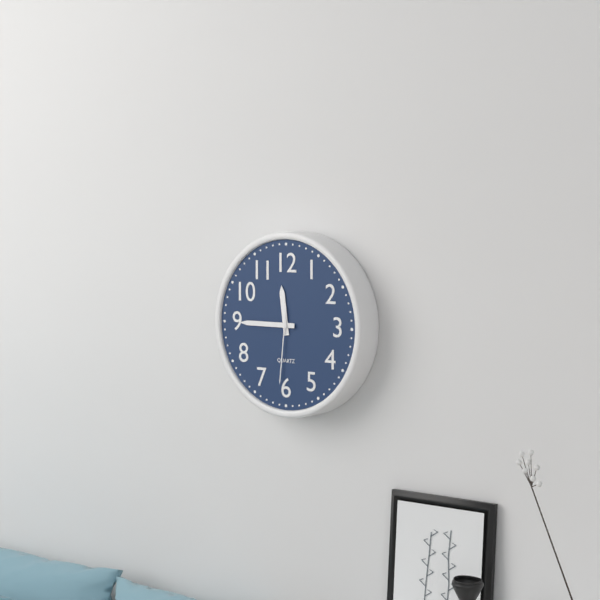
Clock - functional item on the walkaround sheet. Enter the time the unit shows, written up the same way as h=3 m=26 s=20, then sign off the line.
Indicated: h=11 m=45 s=31
